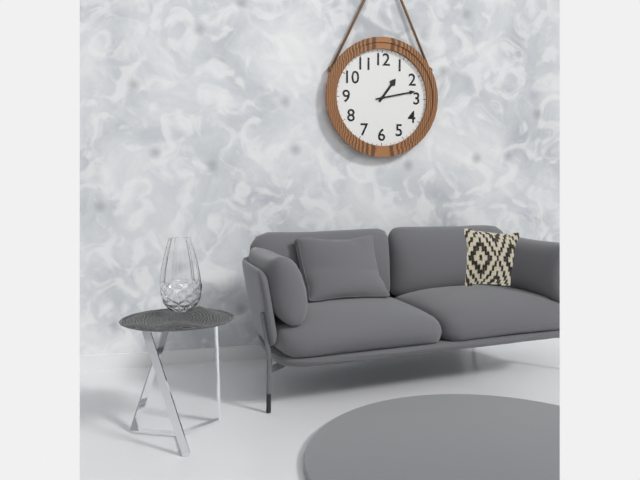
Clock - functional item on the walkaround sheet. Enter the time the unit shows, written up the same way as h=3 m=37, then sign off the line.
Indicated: h=1 m=13
